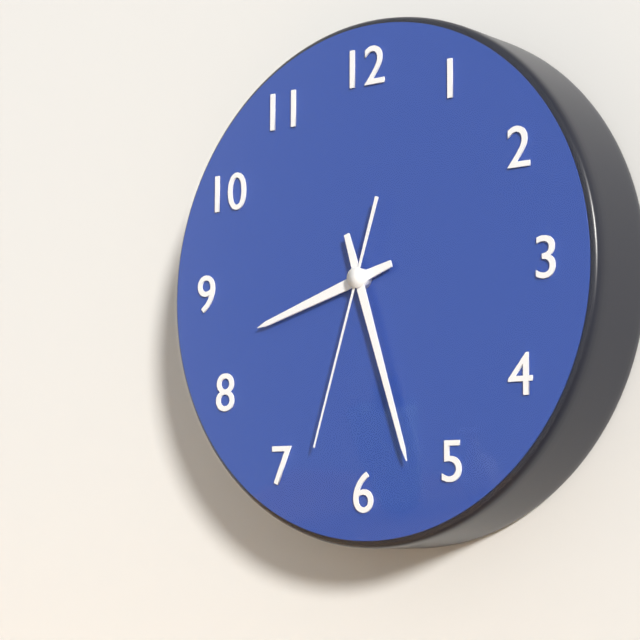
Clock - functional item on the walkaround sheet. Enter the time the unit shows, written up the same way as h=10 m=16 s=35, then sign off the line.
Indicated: h=8 m=27 s=33
